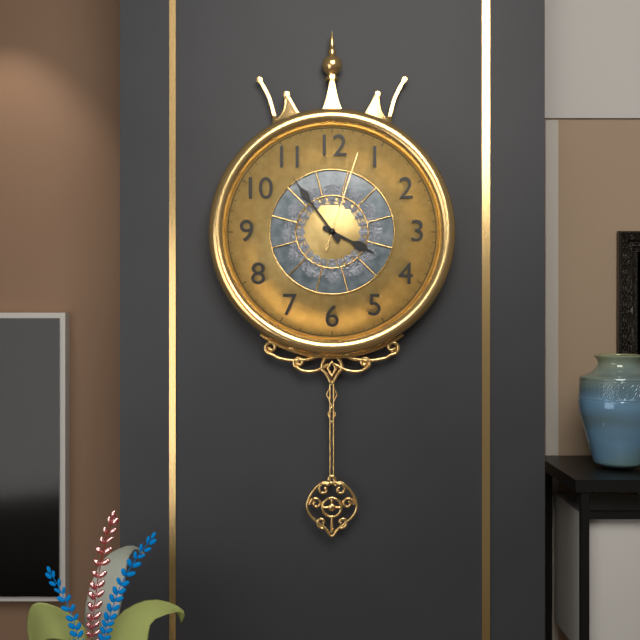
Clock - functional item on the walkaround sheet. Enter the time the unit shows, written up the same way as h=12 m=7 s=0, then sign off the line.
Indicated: h=3 m=54 s=3
